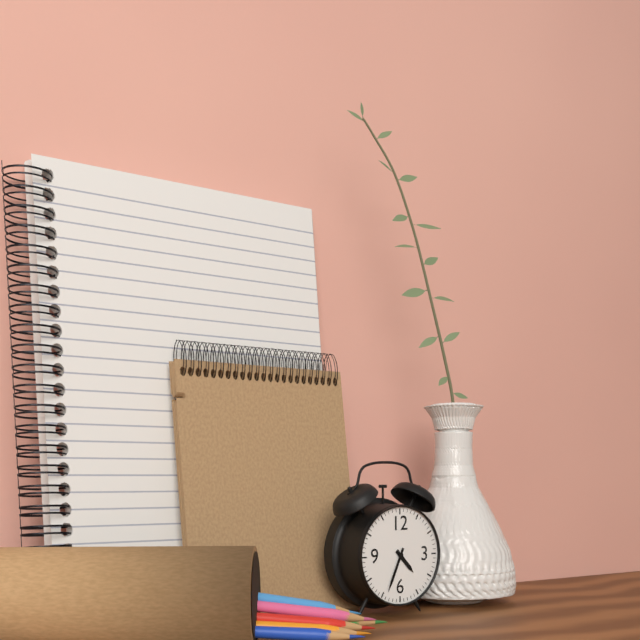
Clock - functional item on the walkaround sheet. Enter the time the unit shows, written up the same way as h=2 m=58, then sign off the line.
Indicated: h=4 m=34
